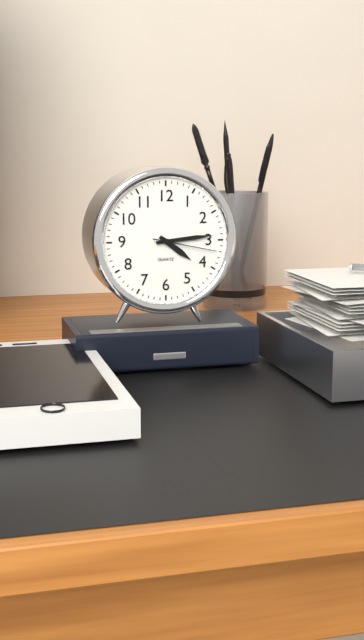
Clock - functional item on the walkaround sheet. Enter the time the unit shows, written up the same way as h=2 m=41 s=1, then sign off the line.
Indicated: h=4 m=14 s=17
